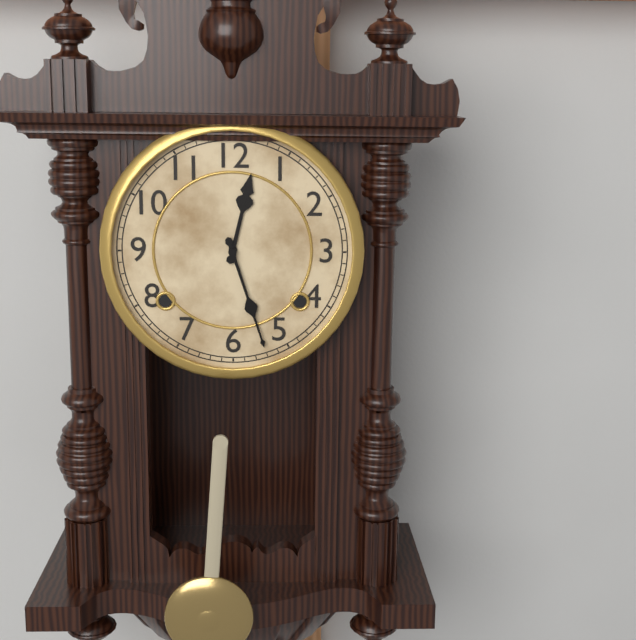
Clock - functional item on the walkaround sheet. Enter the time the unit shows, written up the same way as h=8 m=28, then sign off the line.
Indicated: h=12 m=27
